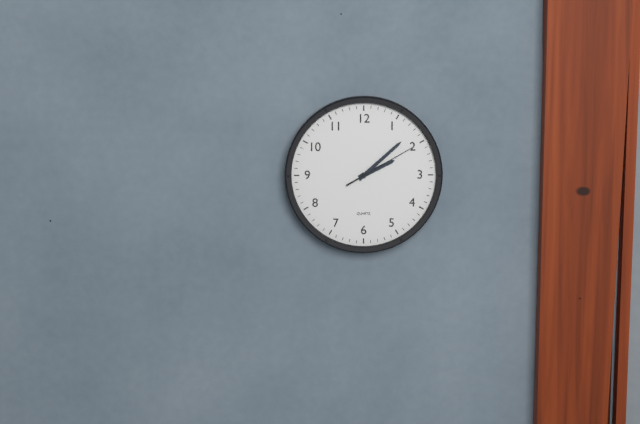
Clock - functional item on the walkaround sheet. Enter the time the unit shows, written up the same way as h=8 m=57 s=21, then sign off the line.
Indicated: h=2 m=8 s=10
